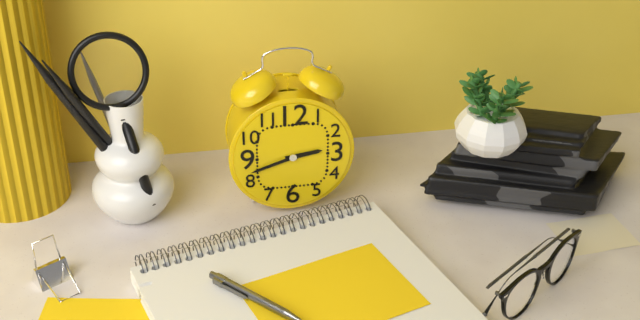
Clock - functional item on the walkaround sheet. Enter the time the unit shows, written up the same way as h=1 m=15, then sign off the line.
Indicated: h=2 m=42
